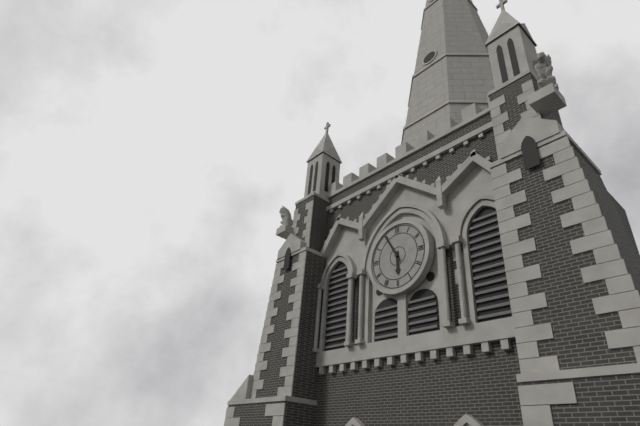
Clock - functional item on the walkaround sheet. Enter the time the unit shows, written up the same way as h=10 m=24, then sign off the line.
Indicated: h=5 m=55
